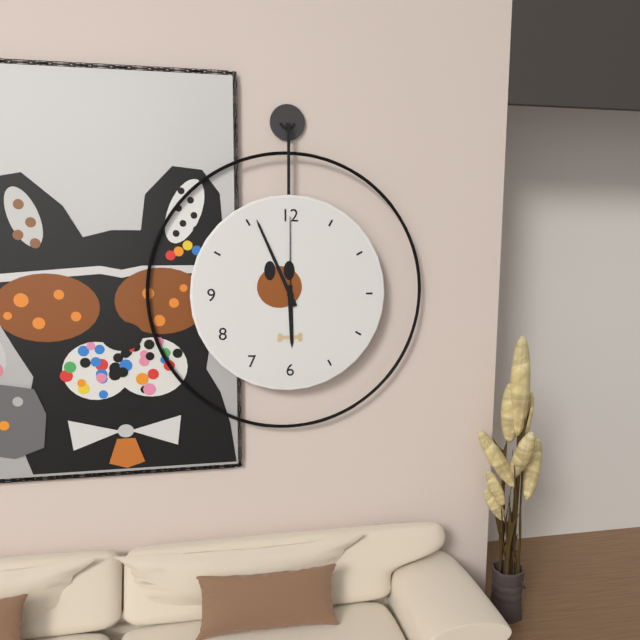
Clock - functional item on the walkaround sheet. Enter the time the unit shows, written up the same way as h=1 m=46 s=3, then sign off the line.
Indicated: h=5 m=56 s=0
